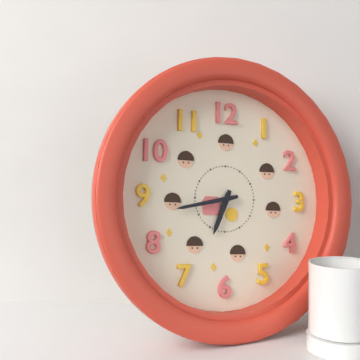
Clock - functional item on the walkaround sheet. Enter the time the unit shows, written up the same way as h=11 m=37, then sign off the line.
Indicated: h=6 m=43
